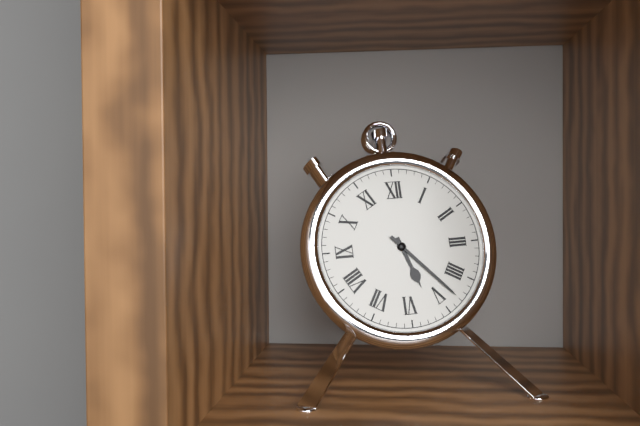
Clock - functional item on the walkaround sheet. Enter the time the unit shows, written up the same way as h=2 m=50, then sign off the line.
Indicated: h=5 m=23
